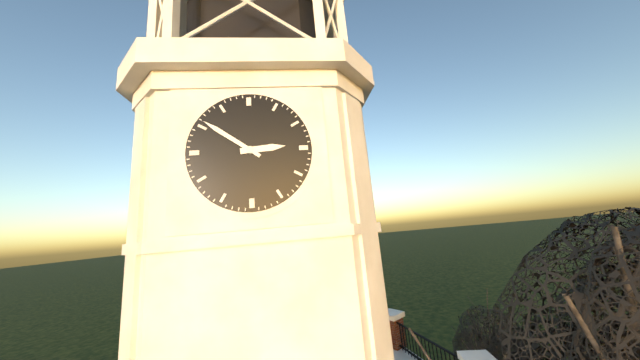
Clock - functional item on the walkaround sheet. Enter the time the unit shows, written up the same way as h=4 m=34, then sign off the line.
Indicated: h=2 m=51
